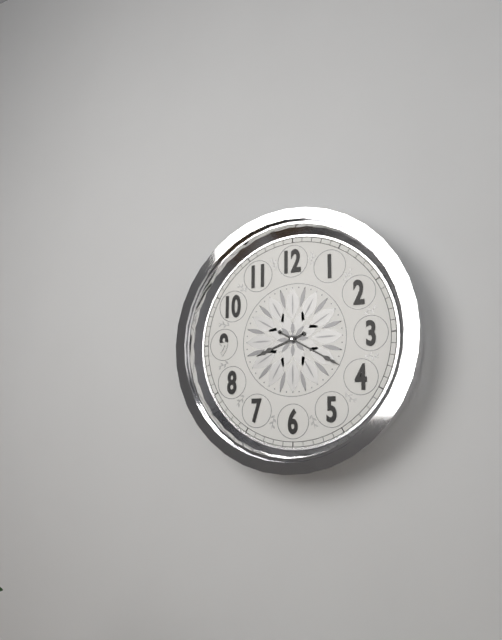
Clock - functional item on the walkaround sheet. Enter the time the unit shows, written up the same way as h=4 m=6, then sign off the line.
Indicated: h=8 m=20
